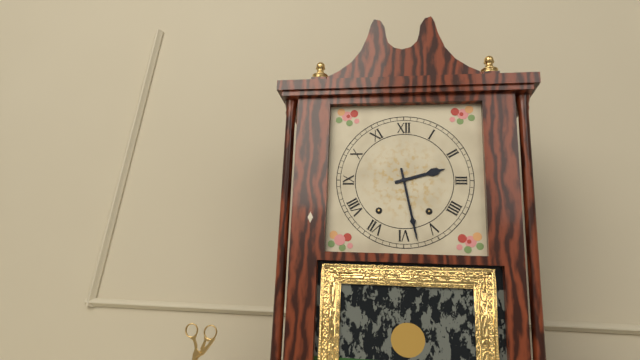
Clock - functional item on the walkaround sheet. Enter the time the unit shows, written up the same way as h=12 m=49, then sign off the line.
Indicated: h=2 m=28
